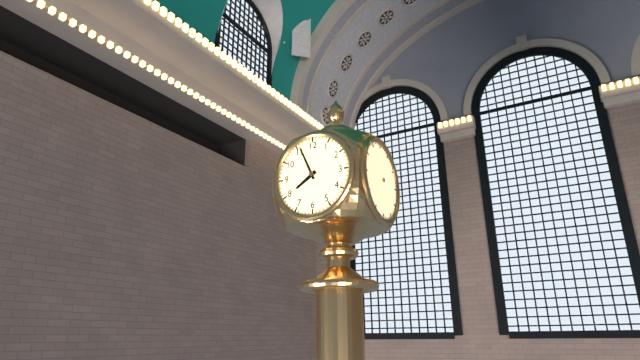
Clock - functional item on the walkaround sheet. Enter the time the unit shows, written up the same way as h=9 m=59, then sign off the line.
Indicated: h=7 m=56
